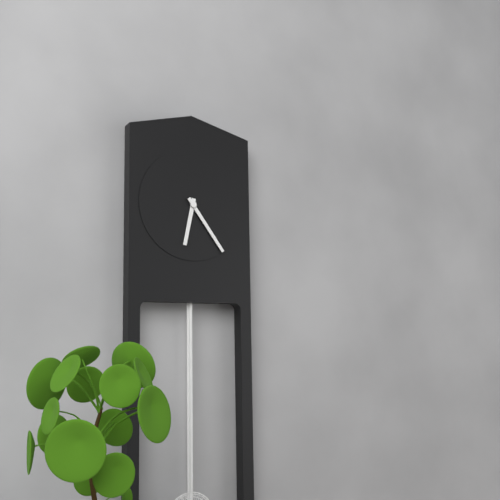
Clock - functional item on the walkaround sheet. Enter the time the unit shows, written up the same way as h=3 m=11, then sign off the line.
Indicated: h=6 m=24
